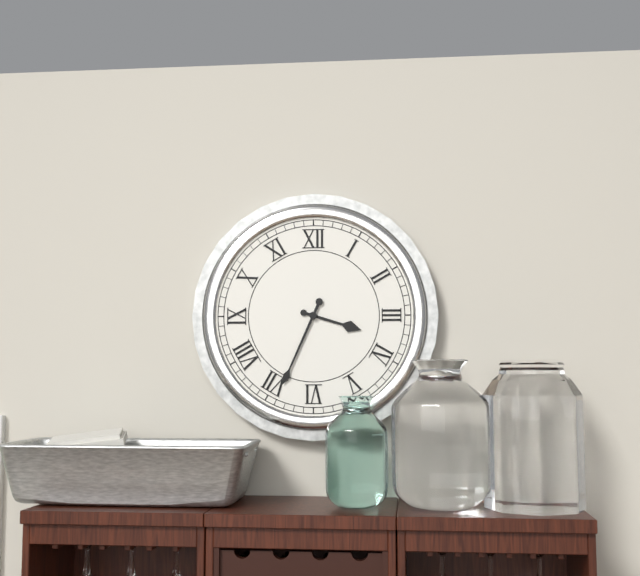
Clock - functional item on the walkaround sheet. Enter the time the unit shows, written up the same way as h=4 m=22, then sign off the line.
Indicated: h=3 m=34
